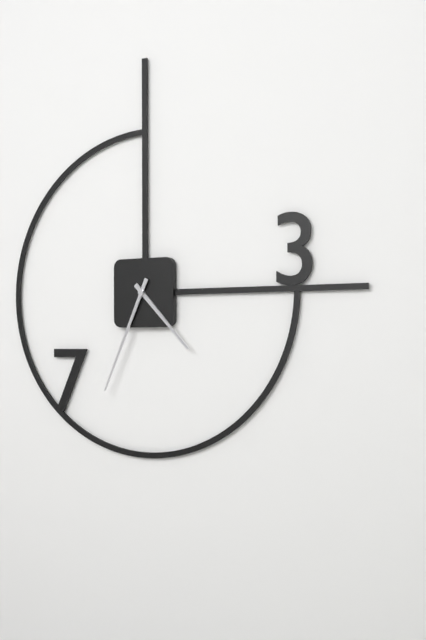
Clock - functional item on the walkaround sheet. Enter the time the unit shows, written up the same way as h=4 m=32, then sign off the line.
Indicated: h=4 m=34
